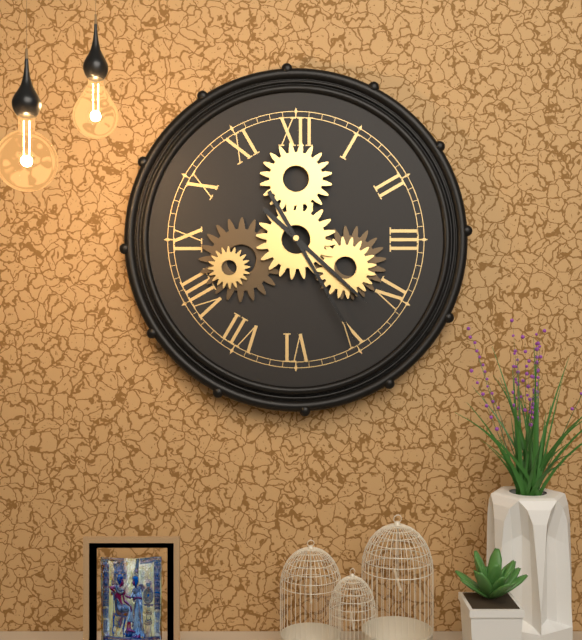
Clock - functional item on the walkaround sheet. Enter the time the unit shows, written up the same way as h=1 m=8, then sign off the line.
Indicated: h=4 m=25
